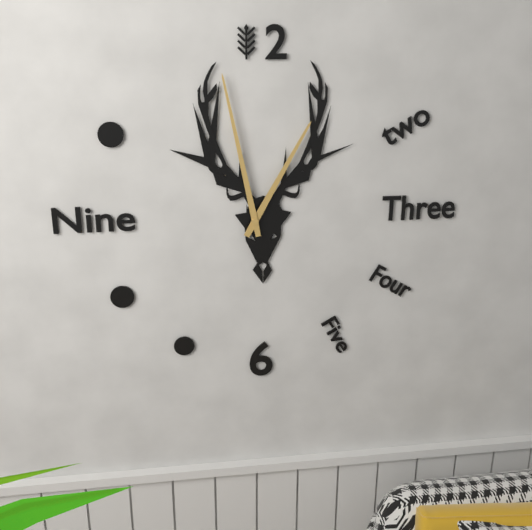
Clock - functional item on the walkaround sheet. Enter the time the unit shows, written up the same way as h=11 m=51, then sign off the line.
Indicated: h=12 m=58
